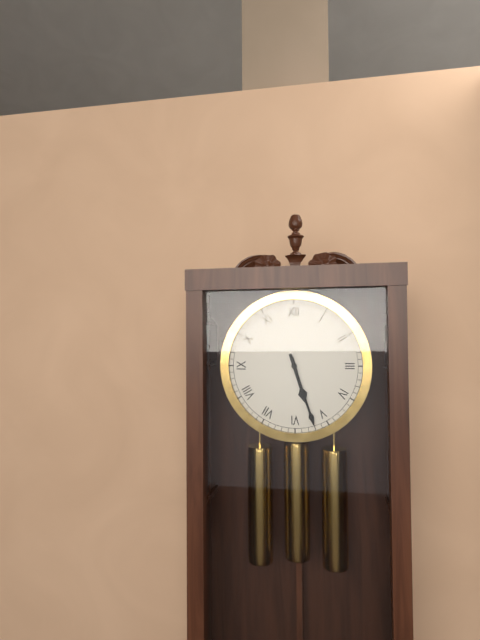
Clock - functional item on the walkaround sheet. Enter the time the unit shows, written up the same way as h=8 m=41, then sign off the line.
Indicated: h=5 m=27
